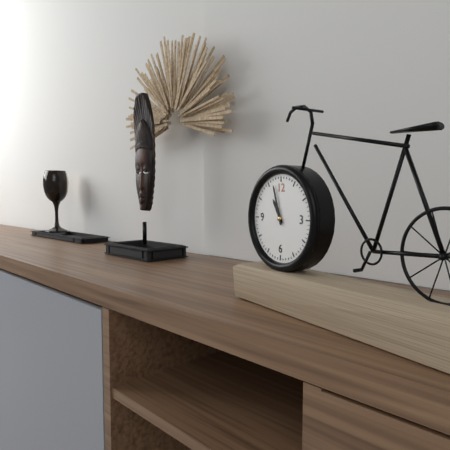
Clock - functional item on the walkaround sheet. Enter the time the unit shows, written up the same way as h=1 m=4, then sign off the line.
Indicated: h=10 m=57
